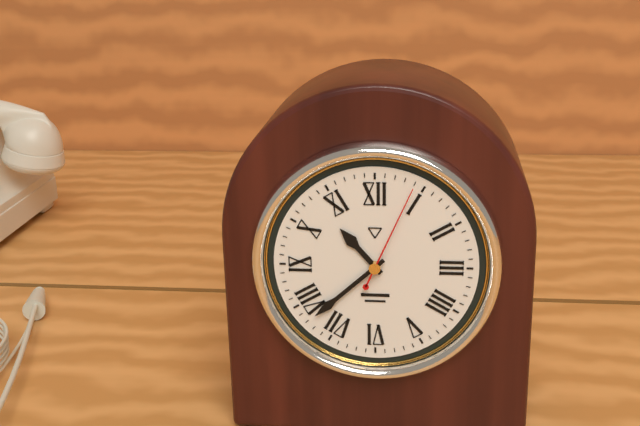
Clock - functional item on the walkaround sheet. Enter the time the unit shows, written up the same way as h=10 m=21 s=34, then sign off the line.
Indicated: h=10 m=38 s=4
